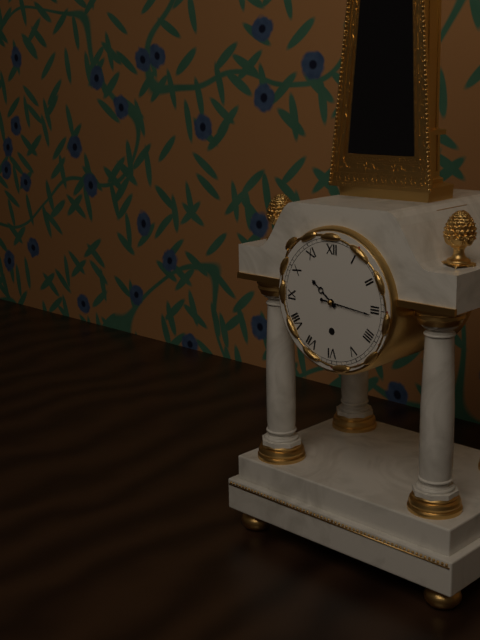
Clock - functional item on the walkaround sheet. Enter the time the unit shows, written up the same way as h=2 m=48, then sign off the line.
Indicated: h=10 m=16
